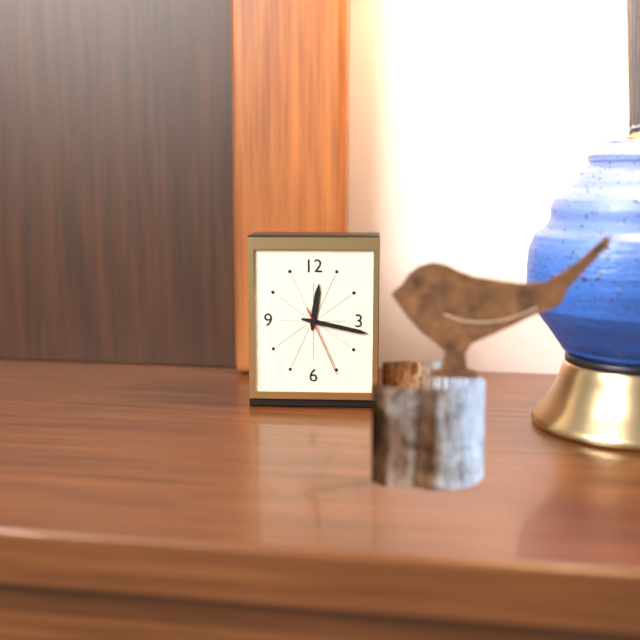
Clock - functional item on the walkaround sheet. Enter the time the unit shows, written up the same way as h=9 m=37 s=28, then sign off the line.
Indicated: h=12 m=17 s=26
